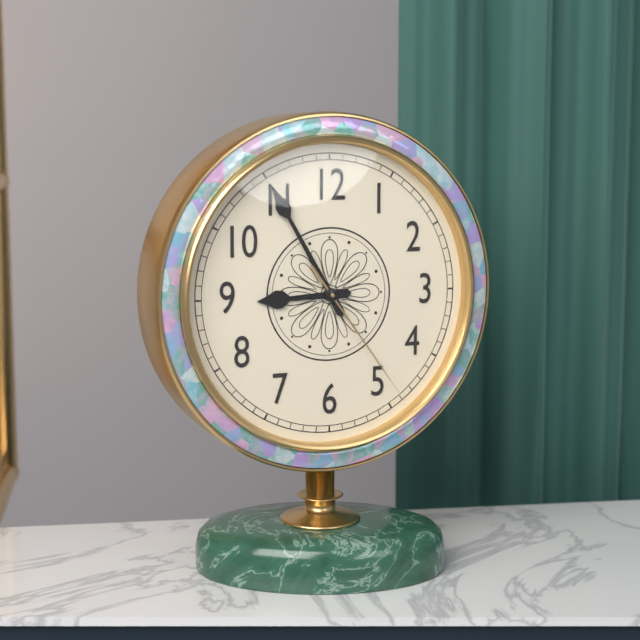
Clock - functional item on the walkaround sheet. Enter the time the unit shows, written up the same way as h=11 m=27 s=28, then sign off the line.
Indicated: h=8 m=55 s=24
